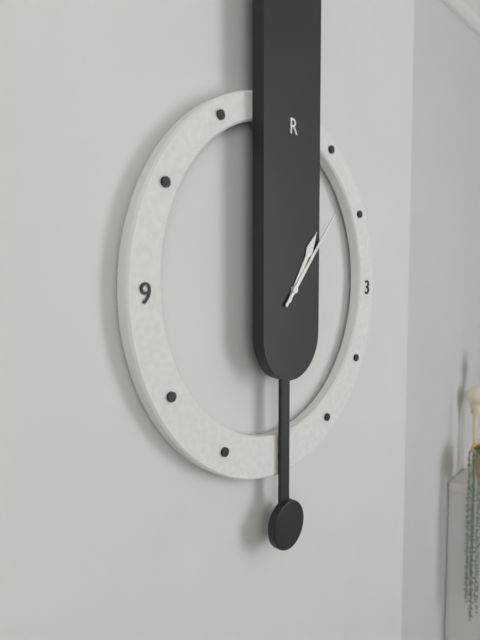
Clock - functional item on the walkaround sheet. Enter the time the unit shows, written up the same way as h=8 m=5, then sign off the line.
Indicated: h=1 m=7
